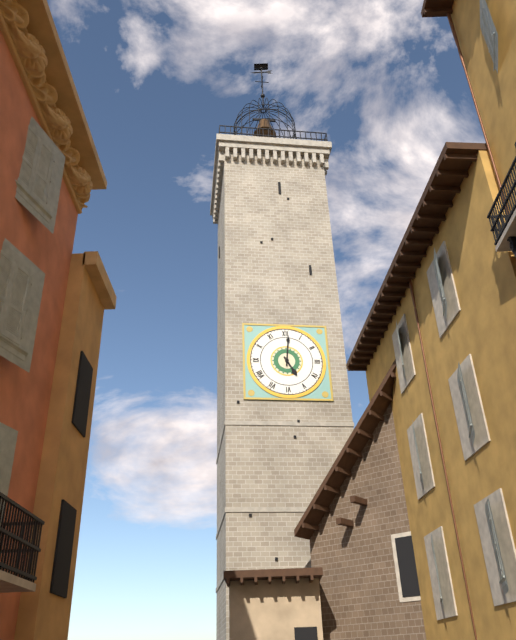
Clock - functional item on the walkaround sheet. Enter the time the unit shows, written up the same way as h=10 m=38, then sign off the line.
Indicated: h=5 m=1
